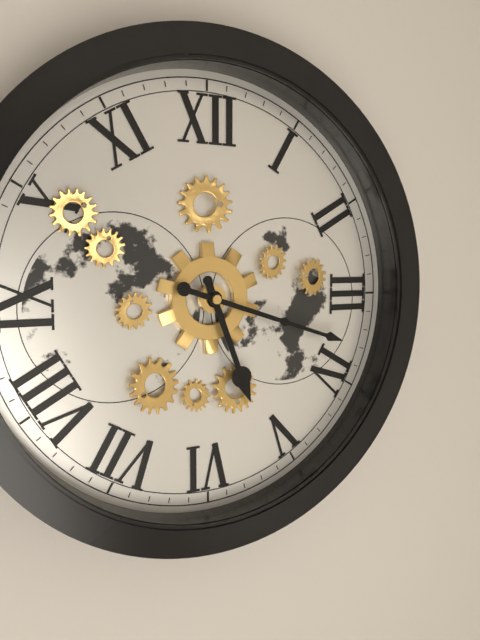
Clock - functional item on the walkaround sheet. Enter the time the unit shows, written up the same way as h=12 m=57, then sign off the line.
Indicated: h=5 m=18
